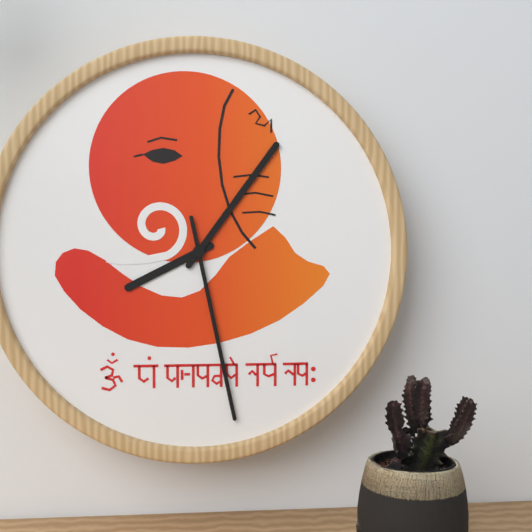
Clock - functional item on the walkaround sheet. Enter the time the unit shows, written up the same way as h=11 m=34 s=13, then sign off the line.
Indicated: h=8 m=6 s=28
